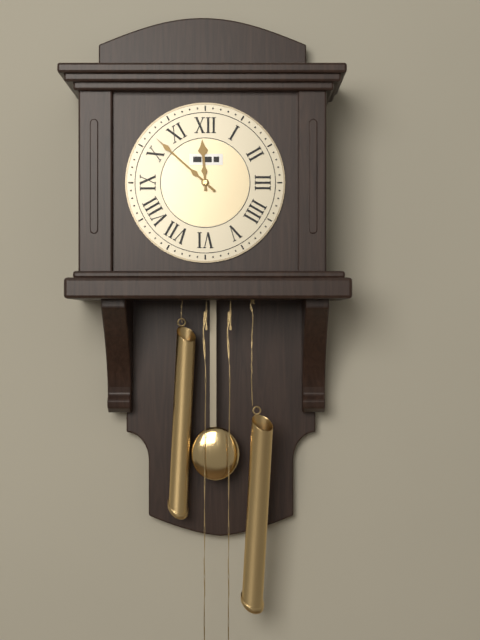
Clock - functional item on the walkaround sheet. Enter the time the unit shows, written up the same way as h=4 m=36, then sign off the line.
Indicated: h=11 m=52
